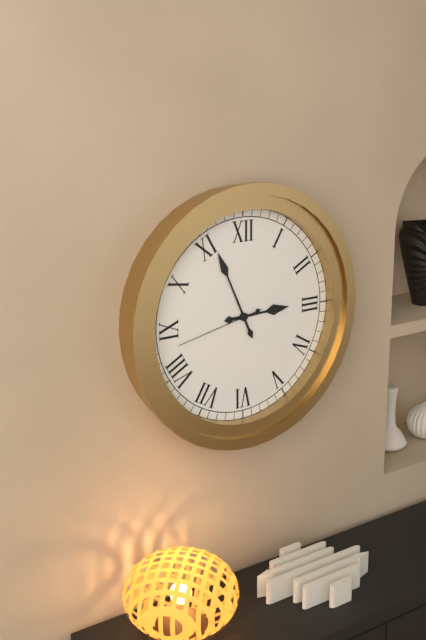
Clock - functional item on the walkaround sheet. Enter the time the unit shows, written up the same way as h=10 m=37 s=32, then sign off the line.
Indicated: h=2 m=56 s=43
